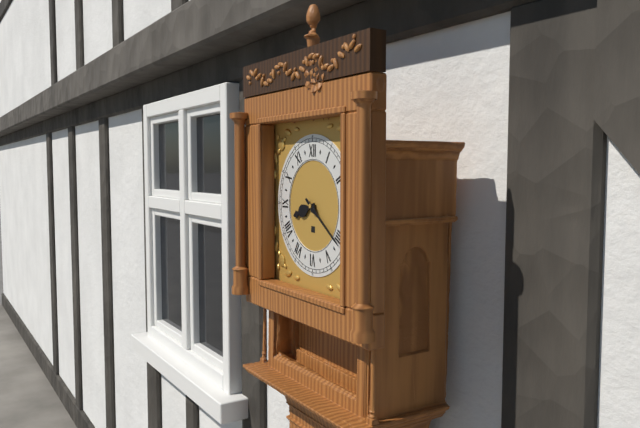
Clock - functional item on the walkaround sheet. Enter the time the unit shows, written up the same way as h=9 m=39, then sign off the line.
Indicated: h=8 m=21
